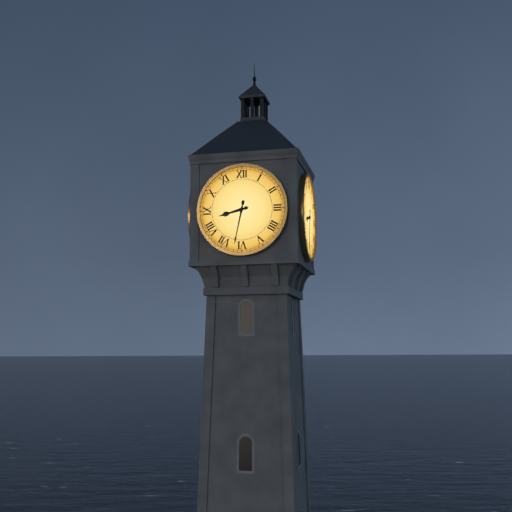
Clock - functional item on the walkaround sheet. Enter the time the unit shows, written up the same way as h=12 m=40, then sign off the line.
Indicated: h=8 m=32
